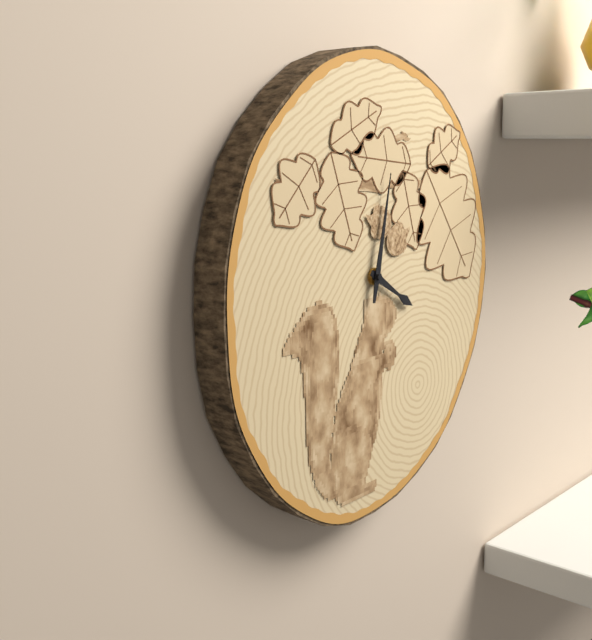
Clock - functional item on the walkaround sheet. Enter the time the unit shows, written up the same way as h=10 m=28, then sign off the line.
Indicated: h=4 m=2
